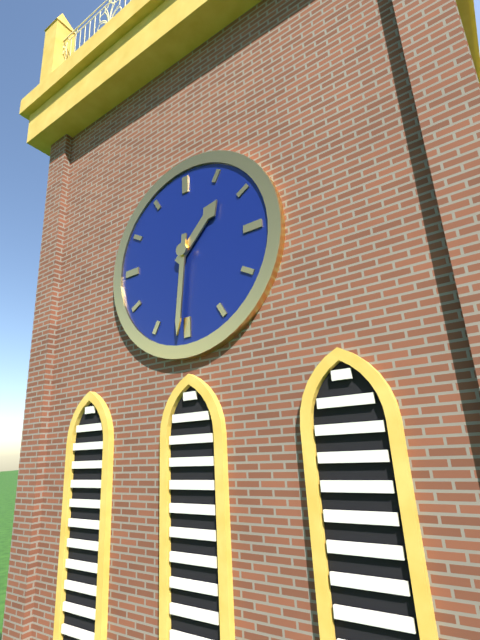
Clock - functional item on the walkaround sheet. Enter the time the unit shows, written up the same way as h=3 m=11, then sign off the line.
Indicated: h=1 m=31
